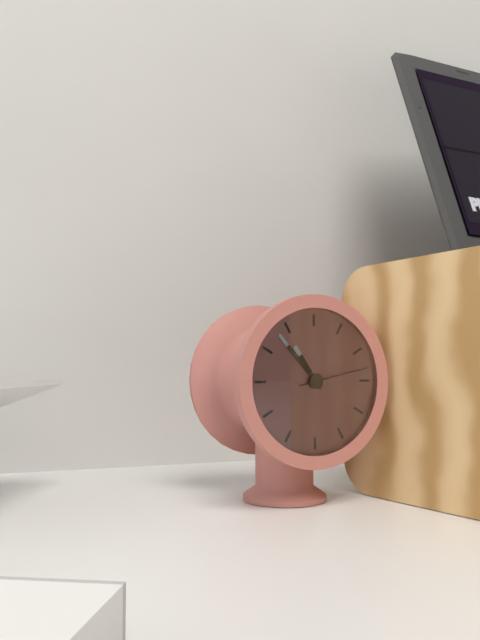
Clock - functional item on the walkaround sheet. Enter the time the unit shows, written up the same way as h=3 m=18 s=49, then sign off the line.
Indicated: h=10 m=53 s=13
